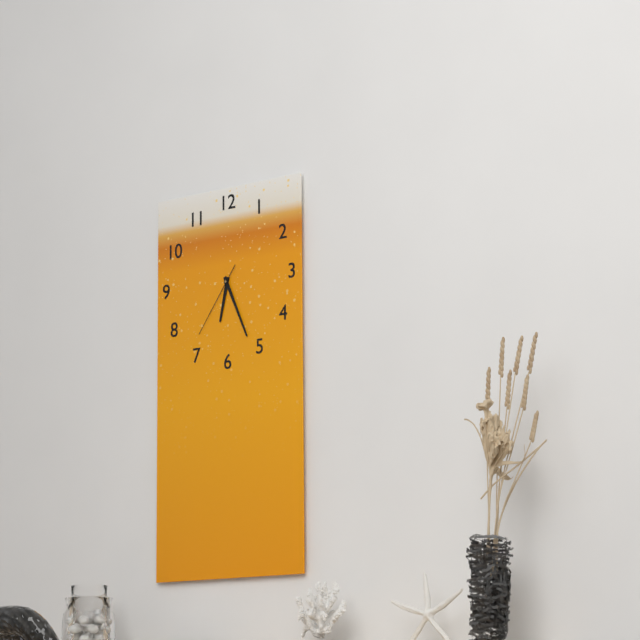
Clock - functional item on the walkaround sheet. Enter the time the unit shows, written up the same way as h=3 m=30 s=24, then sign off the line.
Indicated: h=6 m=26 s=36
